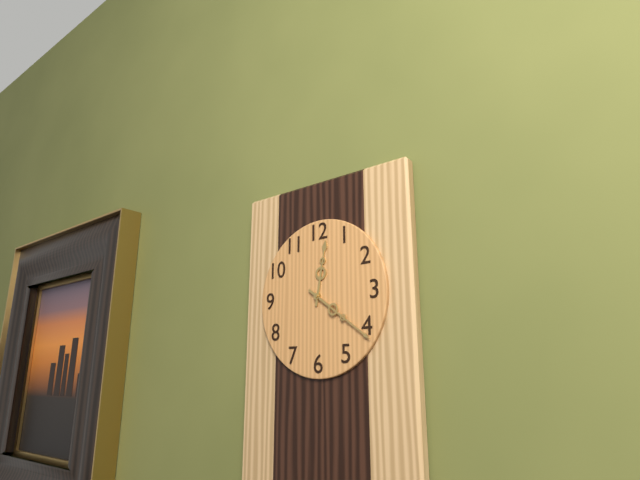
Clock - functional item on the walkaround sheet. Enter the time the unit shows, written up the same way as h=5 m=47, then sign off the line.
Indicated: h=12 m=21
